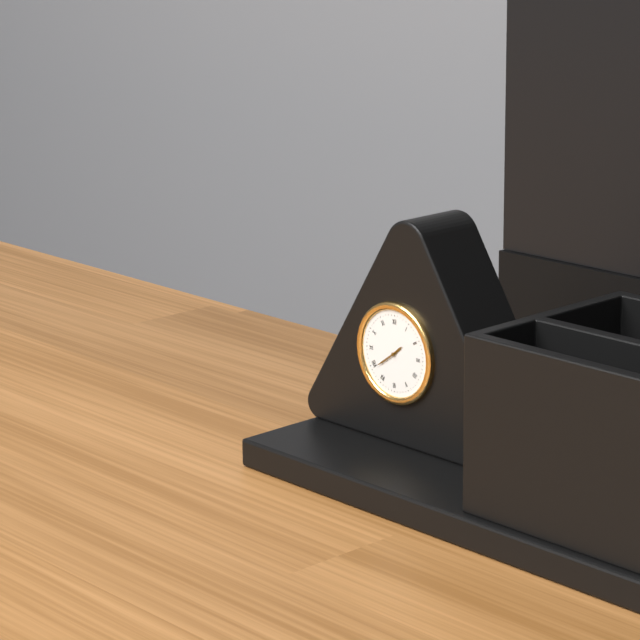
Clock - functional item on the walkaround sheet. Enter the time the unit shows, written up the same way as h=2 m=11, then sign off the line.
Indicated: h=1 m=39
